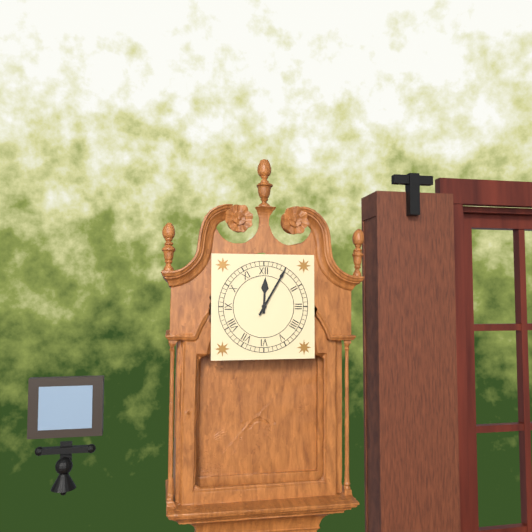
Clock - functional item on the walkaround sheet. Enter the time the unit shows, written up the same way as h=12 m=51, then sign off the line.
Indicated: h=12 m=5
